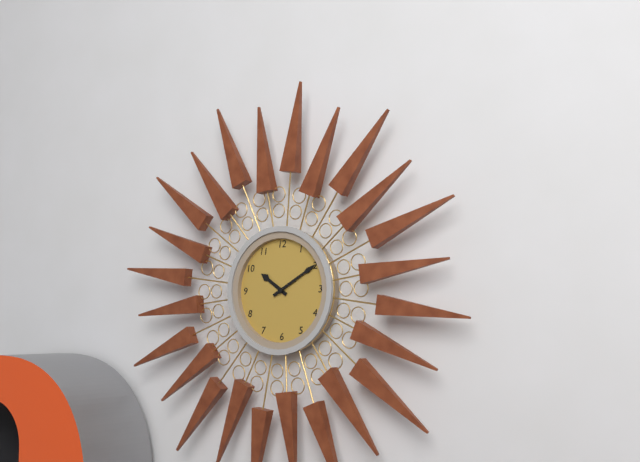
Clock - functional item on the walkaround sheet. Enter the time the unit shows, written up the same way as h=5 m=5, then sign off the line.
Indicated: h=10 m=10
